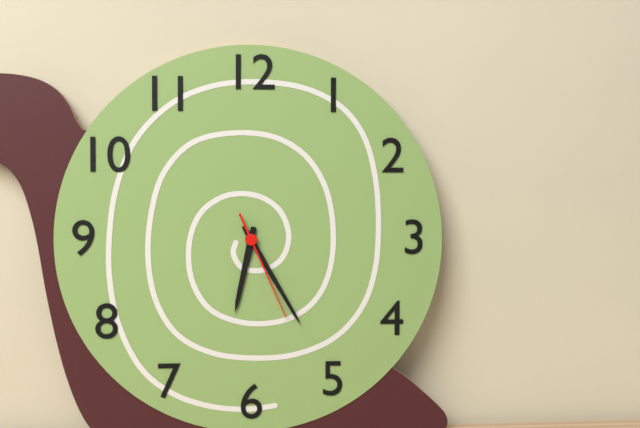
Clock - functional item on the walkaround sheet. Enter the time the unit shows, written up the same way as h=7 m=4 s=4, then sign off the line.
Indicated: h=6 m=25 s=26
